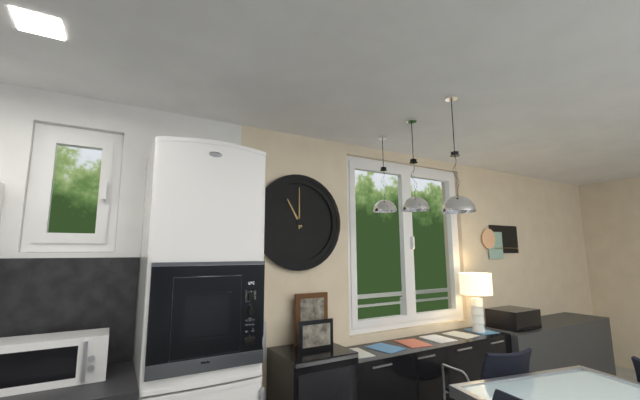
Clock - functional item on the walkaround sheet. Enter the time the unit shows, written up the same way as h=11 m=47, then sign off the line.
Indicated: h=11 m=0
